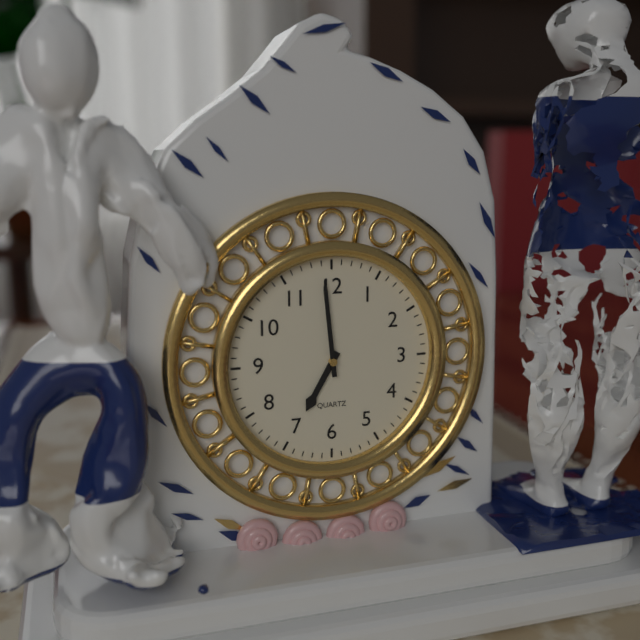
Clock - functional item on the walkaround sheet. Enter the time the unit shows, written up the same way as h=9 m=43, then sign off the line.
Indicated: h=6 m=59
